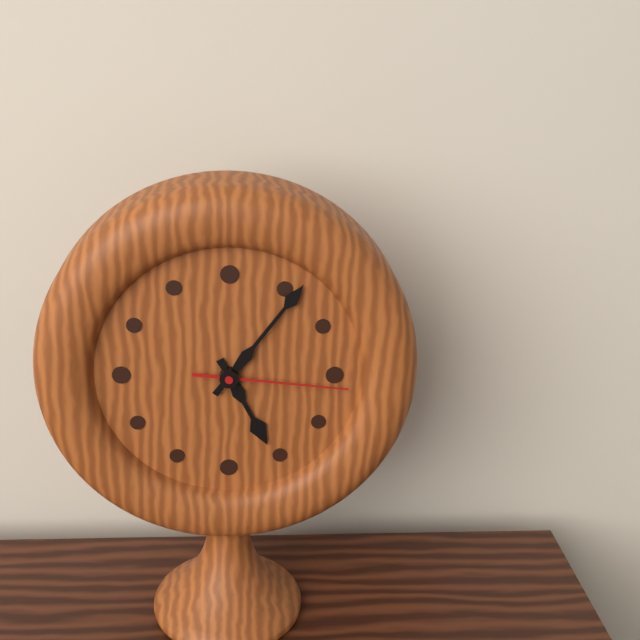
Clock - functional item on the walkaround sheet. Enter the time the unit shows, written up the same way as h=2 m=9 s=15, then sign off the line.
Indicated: h=5 m=6 s=16
